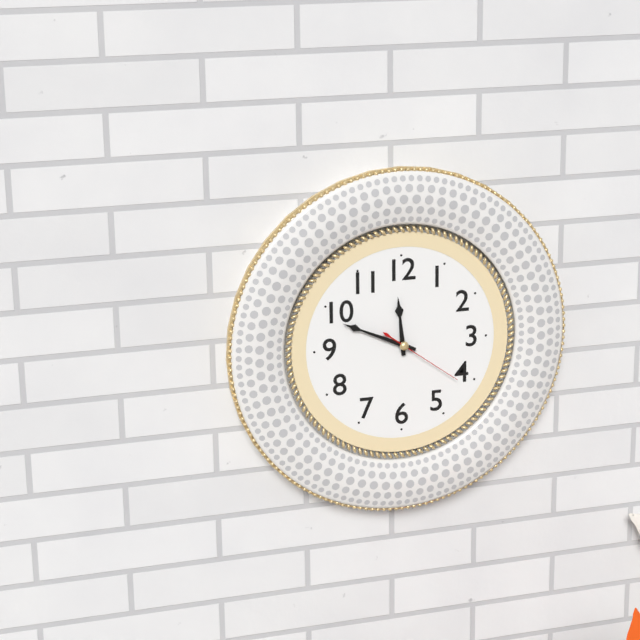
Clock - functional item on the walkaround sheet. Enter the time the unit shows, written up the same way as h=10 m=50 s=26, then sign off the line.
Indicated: h=11 m=49 s=21
